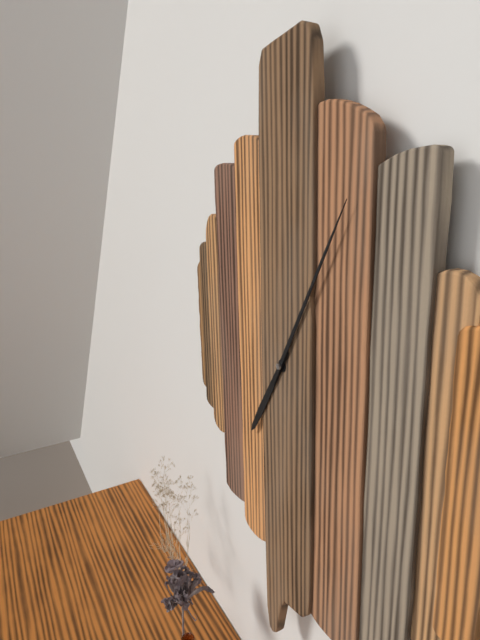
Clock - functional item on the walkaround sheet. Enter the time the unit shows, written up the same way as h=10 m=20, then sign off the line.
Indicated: h=7 m=5
